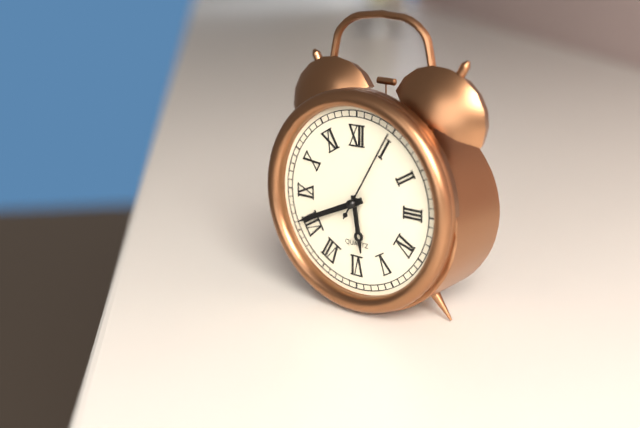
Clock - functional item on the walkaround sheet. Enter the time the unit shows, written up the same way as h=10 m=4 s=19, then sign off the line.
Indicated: h=5 m=41 s=5
